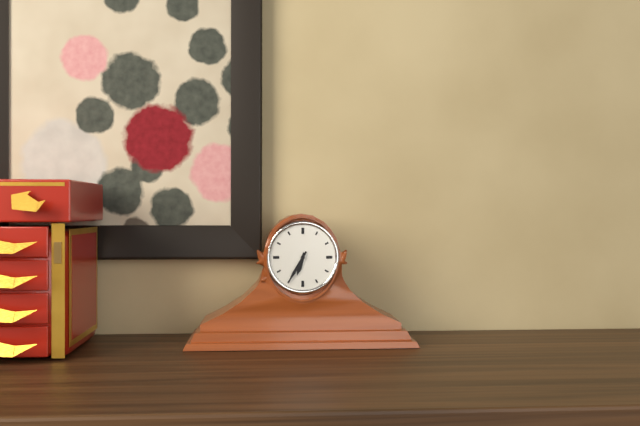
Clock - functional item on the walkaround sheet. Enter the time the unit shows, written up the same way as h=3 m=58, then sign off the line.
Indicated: h=6 m=35
